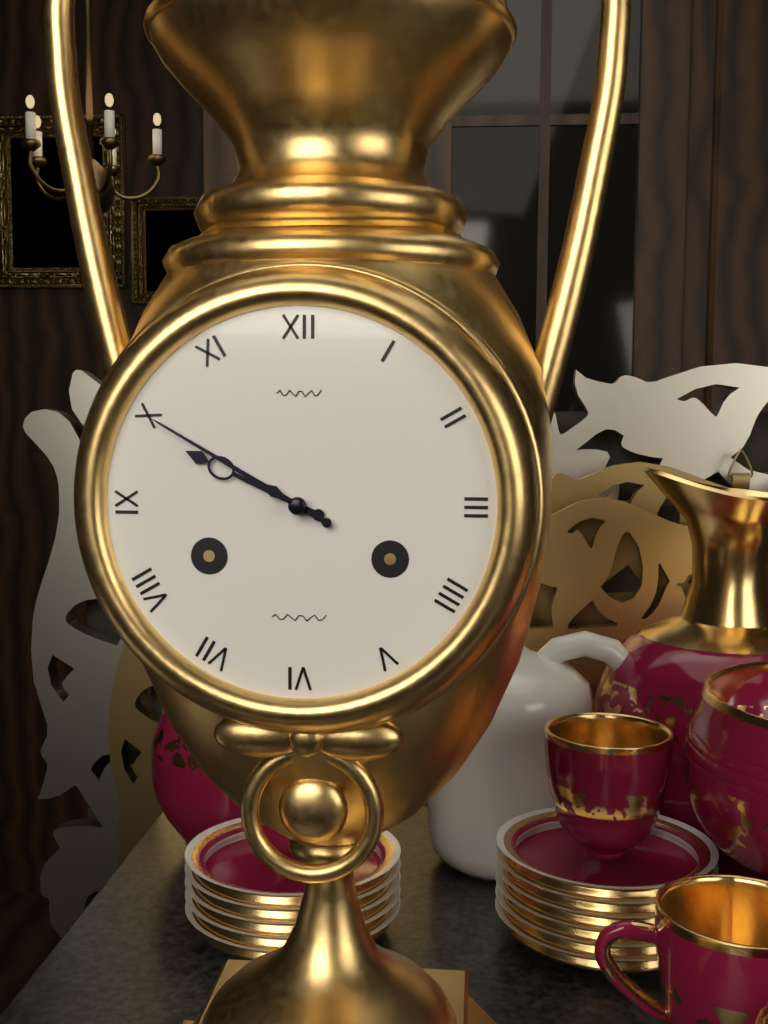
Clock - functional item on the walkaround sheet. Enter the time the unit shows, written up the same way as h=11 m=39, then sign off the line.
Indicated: h=9 m=50
